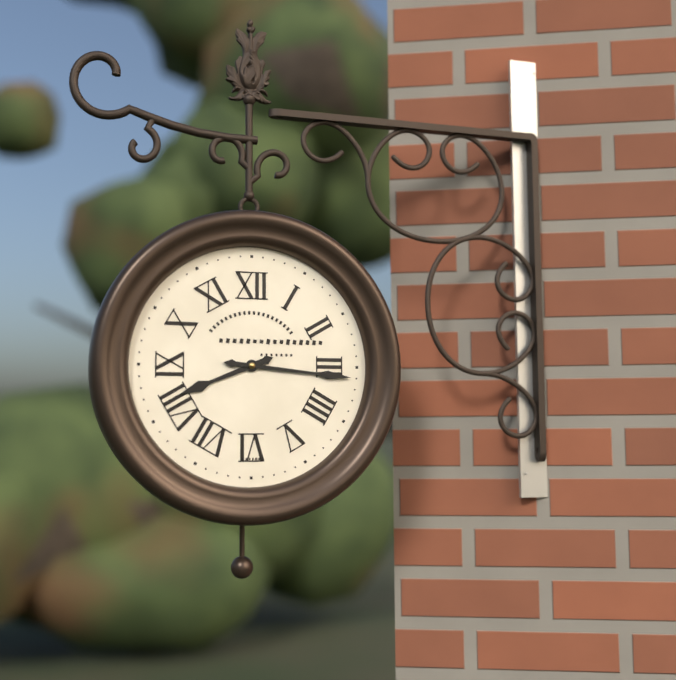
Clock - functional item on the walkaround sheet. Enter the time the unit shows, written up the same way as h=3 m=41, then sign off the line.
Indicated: h=8 m=16
